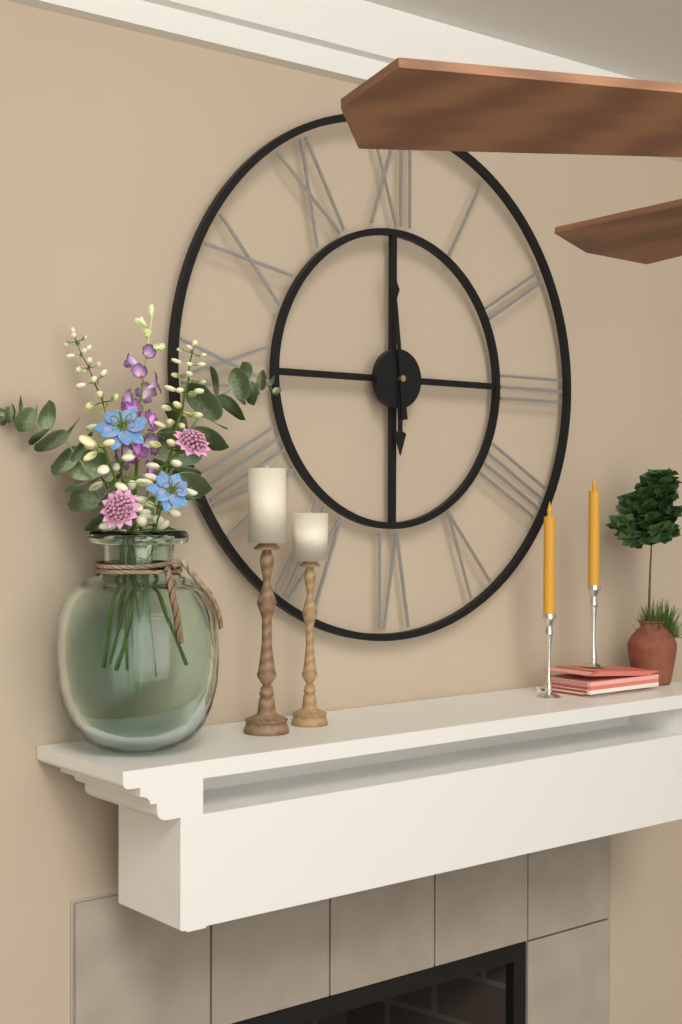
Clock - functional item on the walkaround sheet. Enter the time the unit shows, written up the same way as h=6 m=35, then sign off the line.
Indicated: h=5 m=59
